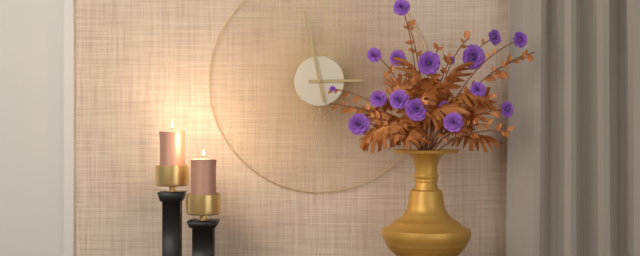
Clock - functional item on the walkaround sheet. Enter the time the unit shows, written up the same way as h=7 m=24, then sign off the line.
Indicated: h=2 m=58
